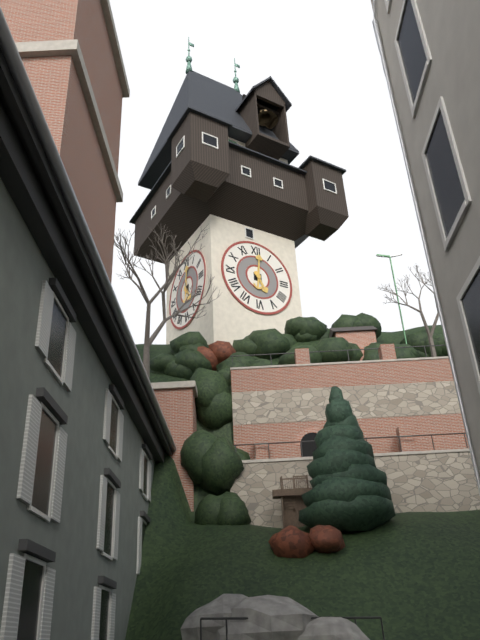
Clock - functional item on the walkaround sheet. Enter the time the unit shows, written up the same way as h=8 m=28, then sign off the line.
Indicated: h=5 m=1
